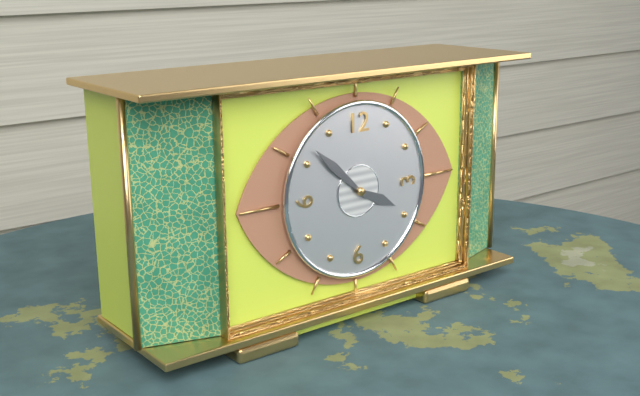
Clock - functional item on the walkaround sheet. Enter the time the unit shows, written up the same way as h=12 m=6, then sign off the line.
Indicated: h=3 m=52
